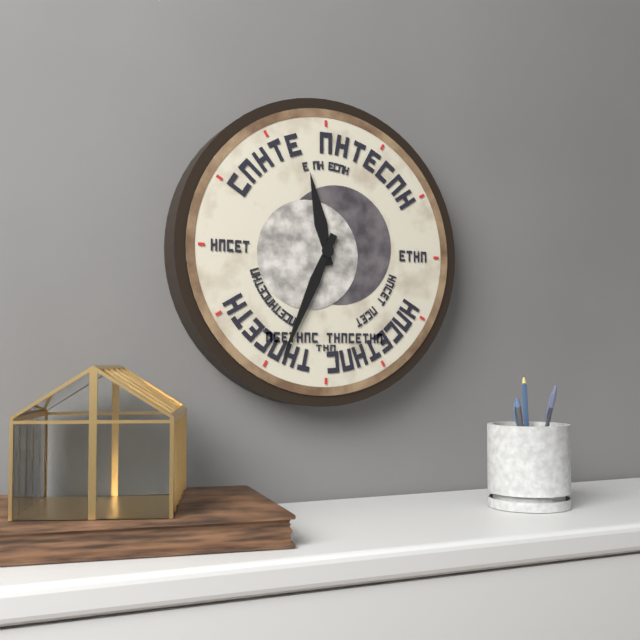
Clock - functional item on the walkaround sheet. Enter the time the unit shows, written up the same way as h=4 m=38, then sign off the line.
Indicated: h=11 m=34
